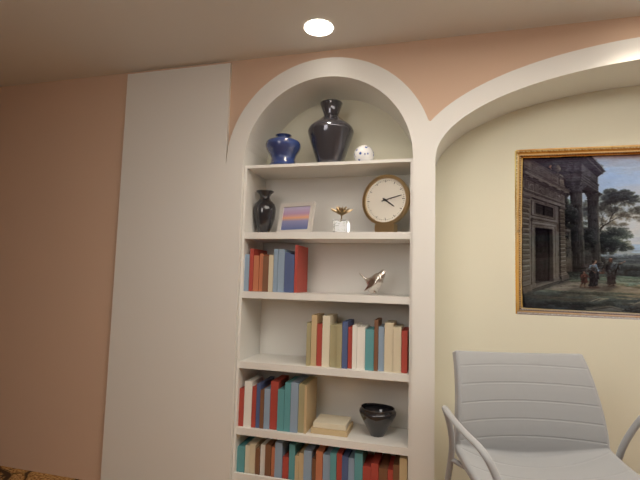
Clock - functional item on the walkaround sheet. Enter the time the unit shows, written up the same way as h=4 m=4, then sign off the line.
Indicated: h=4 m=13
